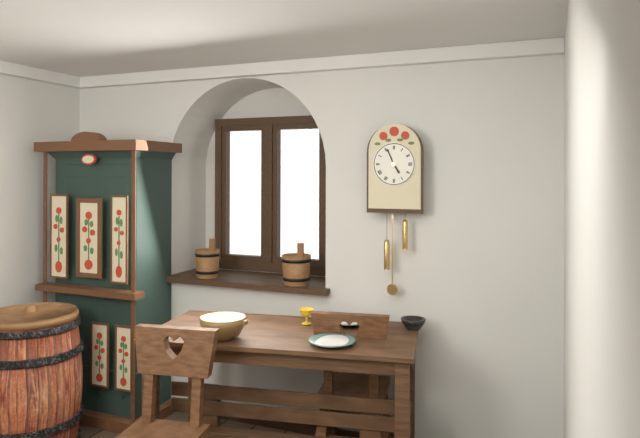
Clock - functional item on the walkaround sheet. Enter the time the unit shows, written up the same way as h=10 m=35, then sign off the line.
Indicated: h=4 m=56
